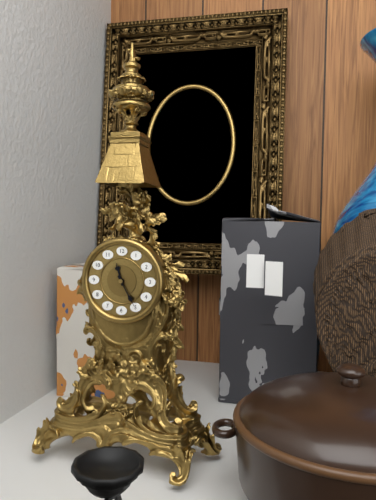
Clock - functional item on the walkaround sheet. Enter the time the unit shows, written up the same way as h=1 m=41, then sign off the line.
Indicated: h=11 m=25
